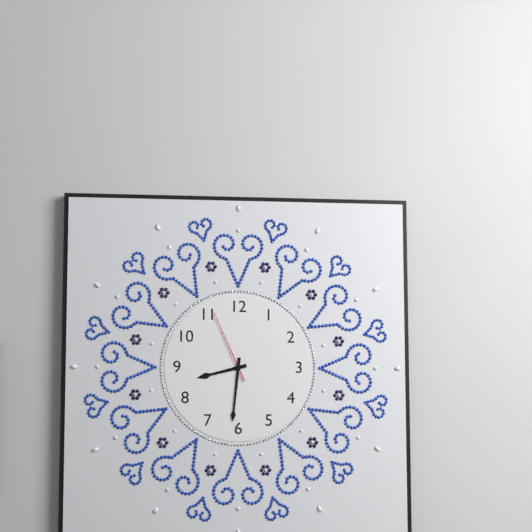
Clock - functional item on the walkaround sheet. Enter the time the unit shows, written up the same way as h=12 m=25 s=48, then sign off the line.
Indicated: h=8 m=31 s=56
